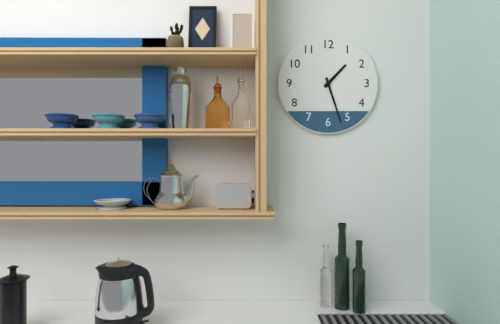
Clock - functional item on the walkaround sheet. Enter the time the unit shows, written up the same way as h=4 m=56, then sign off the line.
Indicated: h=1 m=27
